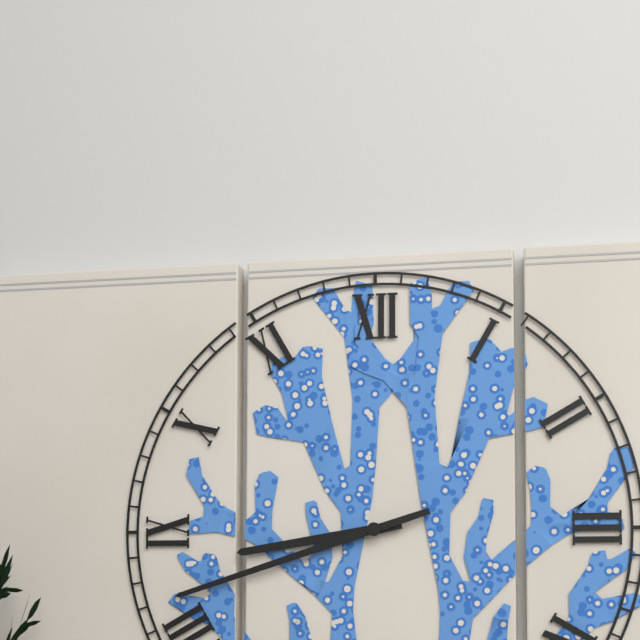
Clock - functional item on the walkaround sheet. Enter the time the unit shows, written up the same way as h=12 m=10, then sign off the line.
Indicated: h=8 m=42
